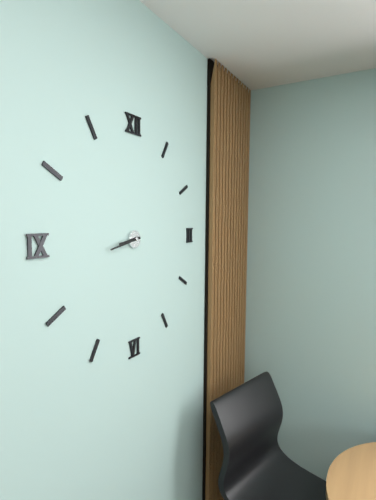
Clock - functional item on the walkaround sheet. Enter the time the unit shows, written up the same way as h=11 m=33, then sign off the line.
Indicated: h=8 m=43
